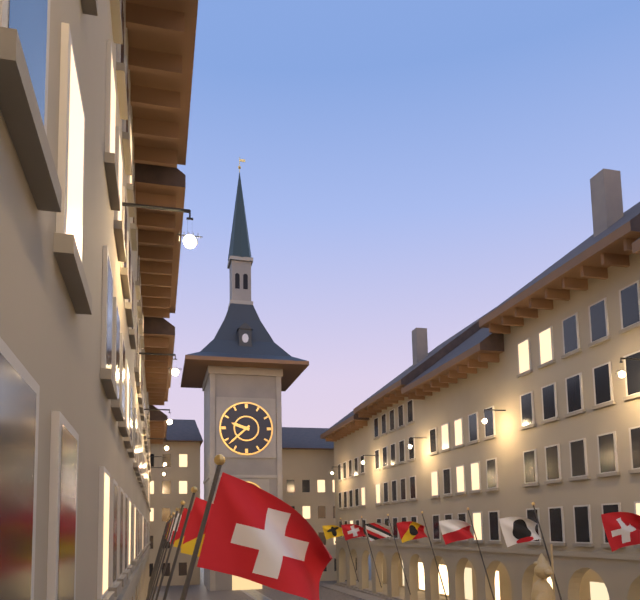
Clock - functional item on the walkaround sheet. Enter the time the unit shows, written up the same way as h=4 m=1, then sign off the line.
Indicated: h=9 m=38
